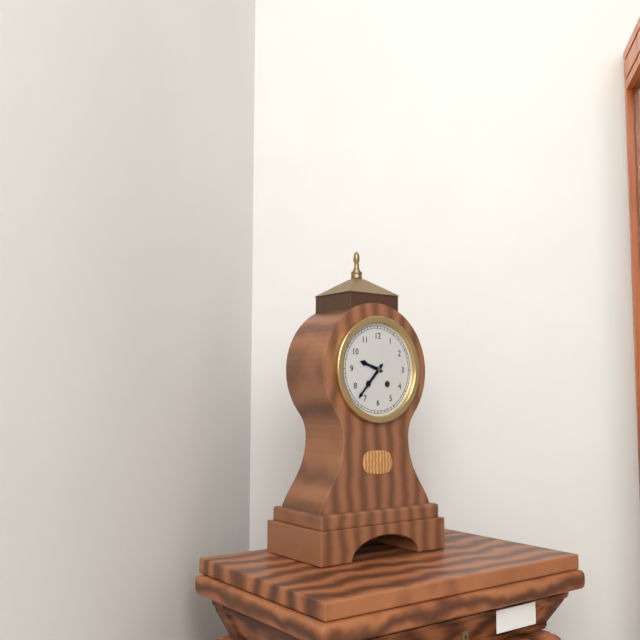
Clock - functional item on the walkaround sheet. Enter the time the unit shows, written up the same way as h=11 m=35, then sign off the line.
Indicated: h=9 m=37
